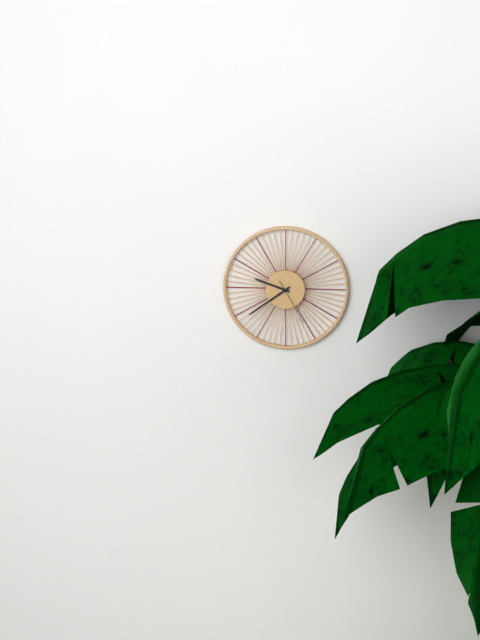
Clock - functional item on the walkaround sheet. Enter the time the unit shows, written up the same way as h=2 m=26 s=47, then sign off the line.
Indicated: h=9 m=39 s=25
